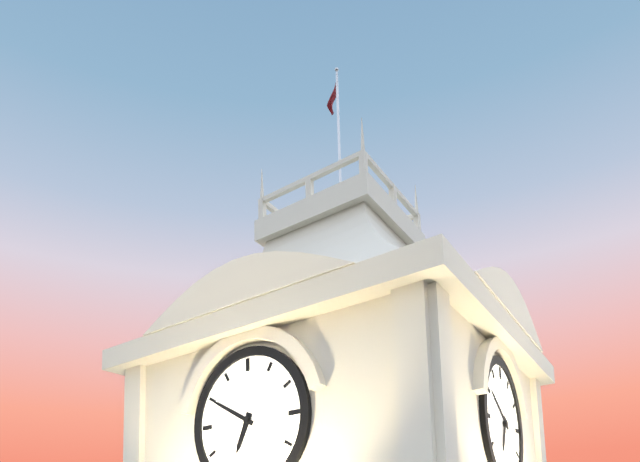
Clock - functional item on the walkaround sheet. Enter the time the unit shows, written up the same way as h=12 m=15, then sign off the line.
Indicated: h=6 m=50
